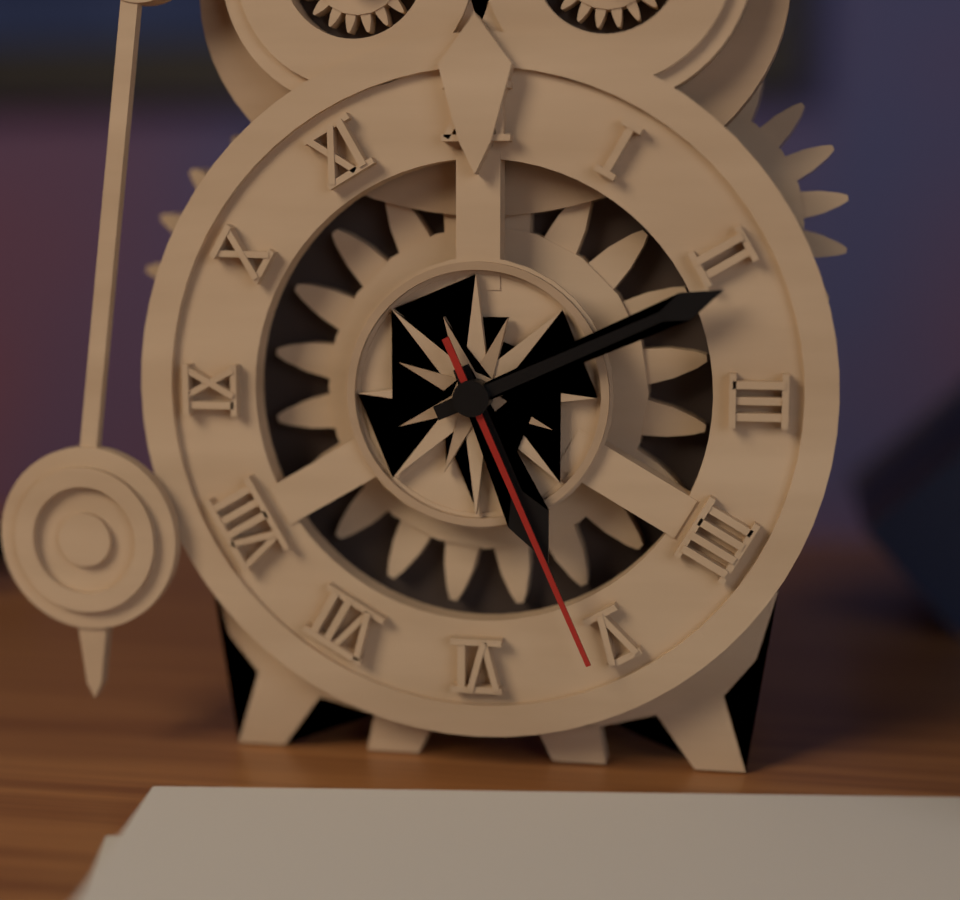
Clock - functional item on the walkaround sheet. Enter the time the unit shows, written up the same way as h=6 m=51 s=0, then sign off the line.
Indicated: h=5 m=11 s=26
